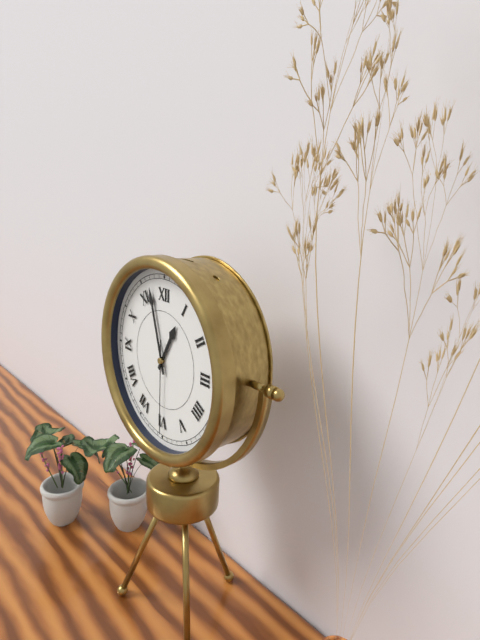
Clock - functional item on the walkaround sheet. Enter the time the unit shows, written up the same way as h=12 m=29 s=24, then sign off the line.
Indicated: h=12 m=57 s=30
